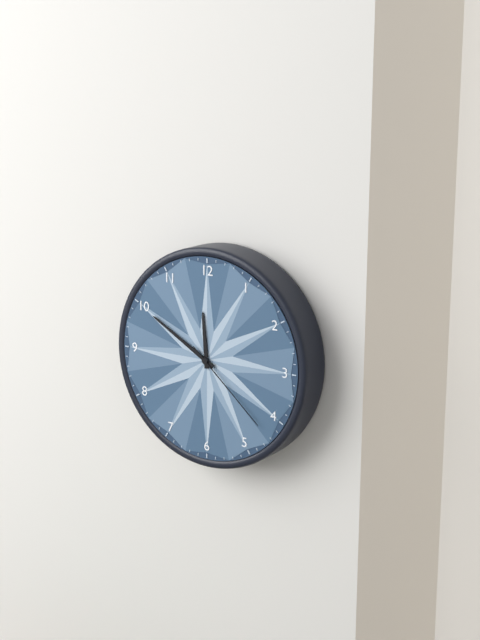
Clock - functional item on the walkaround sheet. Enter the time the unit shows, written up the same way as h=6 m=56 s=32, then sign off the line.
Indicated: h=11 m=50 s=22
